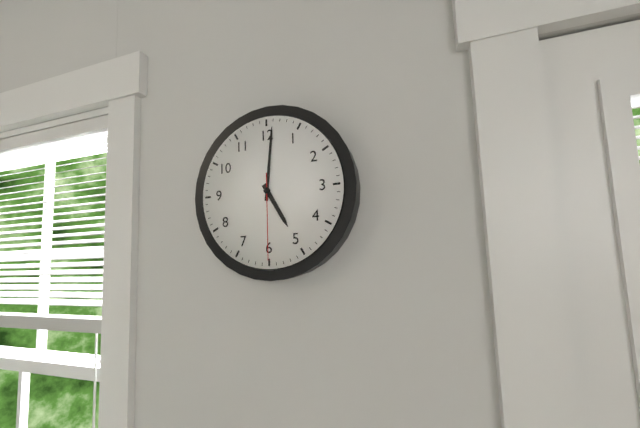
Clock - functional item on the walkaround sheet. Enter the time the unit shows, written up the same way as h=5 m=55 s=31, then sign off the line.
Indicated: h=5 m=1 s=30
